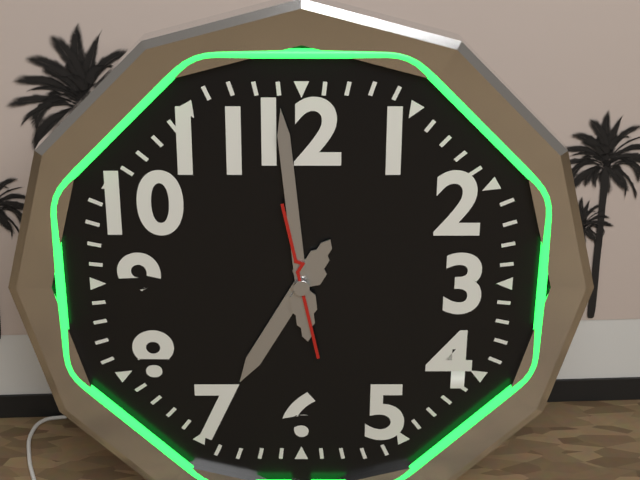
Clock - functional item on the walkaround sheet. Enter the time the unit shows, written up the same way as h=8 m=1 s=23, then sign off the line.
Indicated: h=6 m=59 s=58
